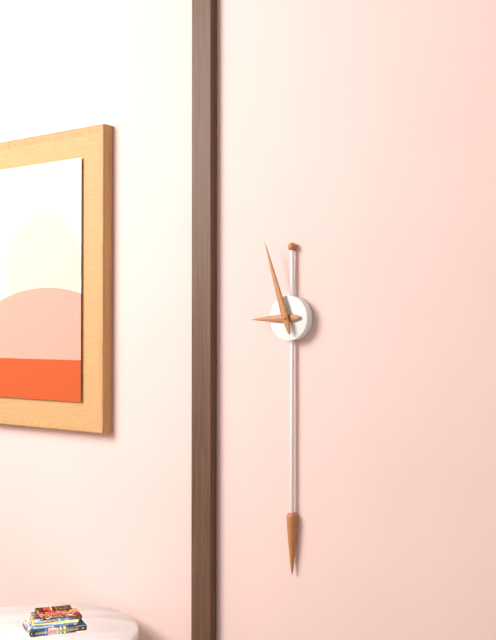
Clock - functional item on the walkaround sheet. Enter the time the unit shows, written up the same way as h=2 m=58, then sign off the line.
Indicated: h=8 m=57
